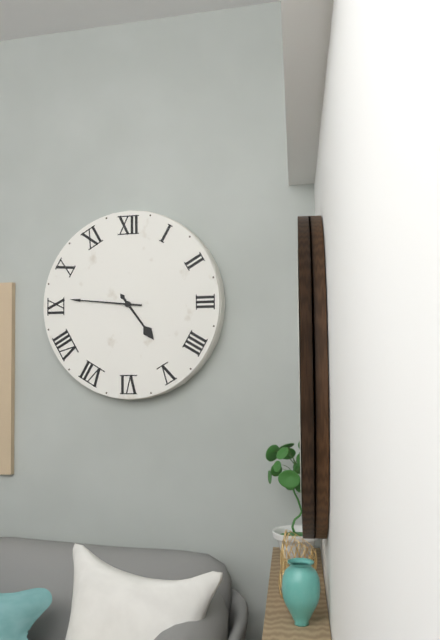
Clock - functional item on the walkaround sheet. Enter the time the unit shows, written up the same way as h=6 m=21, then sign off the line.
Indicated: h=4 m=46
